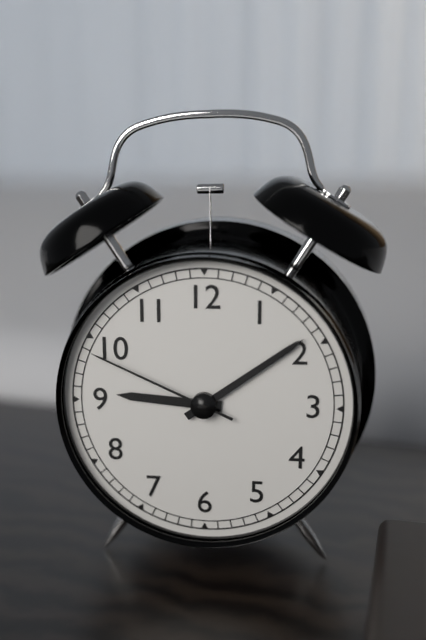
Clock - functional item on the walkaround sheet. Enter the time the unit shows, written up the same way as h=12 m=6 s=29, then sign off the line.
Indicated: h=9 m=9 s=49
